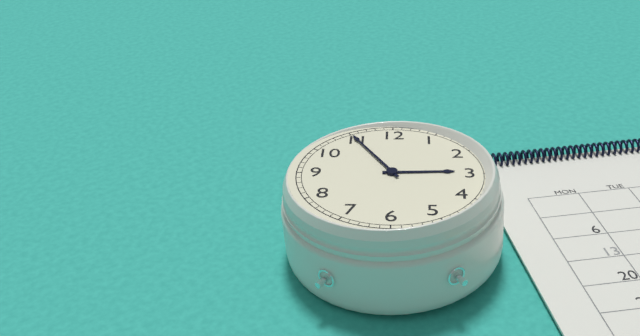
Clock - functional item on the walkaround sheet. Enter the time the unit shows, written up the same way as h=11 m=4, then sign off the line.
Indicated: h=2 m=55
